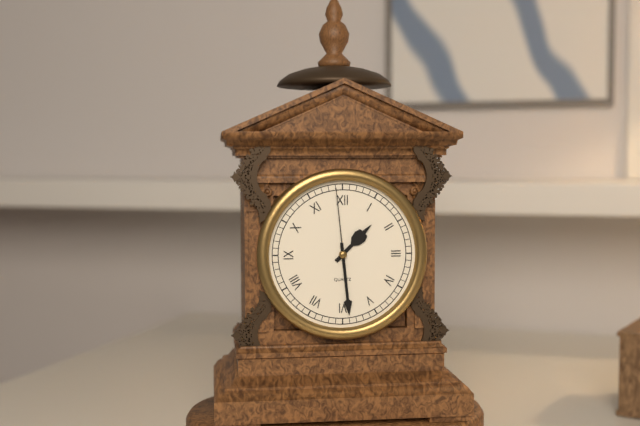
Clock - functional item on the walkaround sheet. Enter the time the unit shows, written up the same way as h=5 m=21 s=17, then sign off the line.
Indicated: h=1 m=29 s=59
